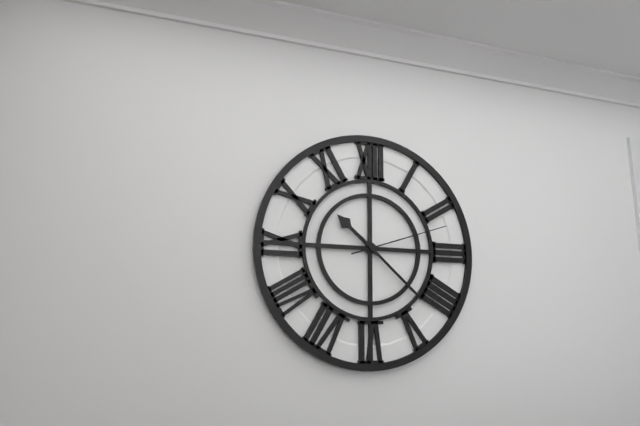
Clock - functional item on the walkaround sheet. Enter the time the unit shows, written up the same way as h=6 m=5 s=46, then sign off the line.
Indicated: h=10 m=22 s=12
